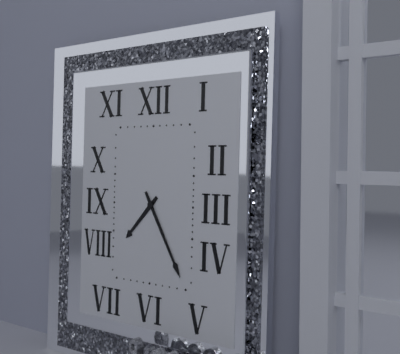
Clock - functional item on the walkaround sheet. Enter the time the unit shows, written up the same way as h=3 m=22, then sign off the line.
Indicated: h=7 m=25
